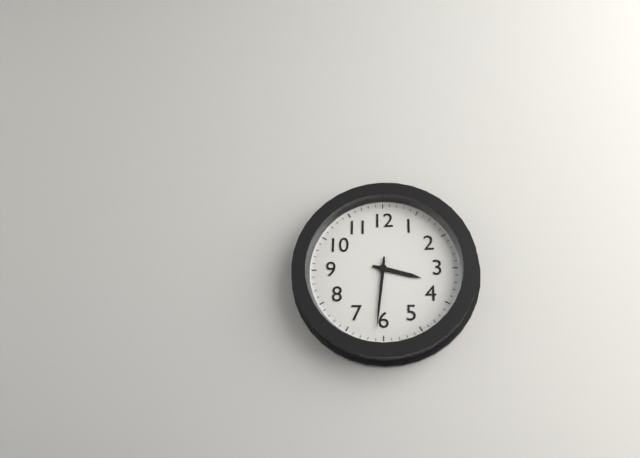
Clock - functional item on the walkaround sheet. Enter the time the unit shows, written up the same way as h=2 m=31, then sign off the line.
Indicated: h=3 m=31
